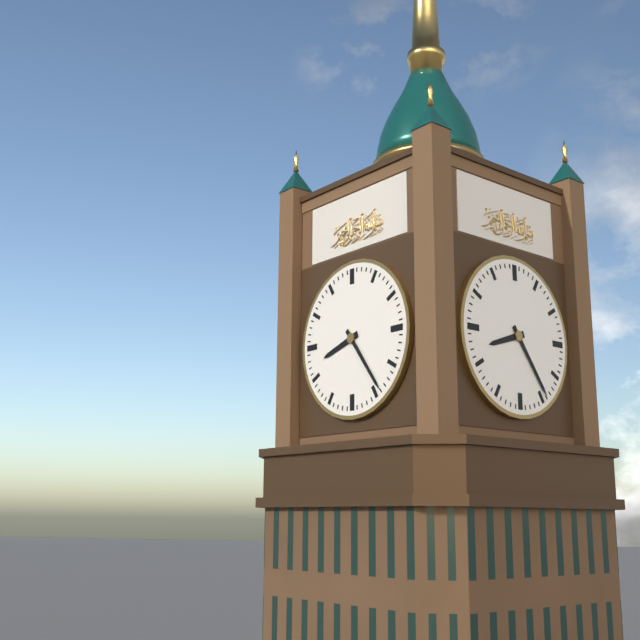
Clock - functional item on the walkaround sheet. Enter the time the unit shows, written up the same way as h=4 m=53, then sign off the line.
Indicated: h=8 m=24
